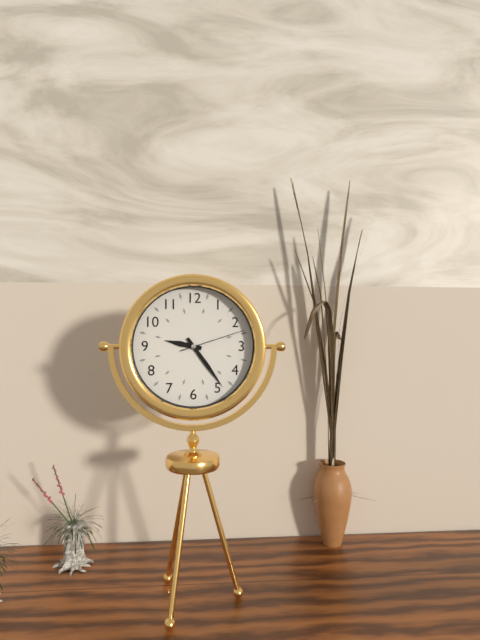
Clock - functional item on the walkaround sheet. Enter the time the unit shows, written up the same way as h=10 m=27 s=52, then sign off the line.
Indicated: h=9 m=24 s=12
